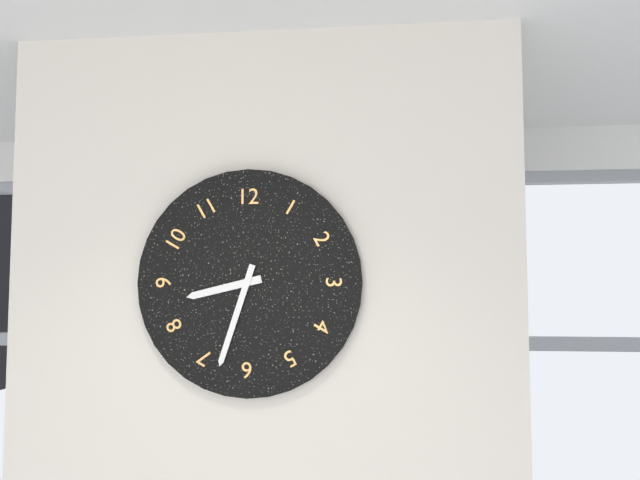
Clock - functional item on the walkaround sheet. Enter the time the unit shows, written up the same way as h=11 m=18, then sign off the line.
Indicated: h=8 m=33
